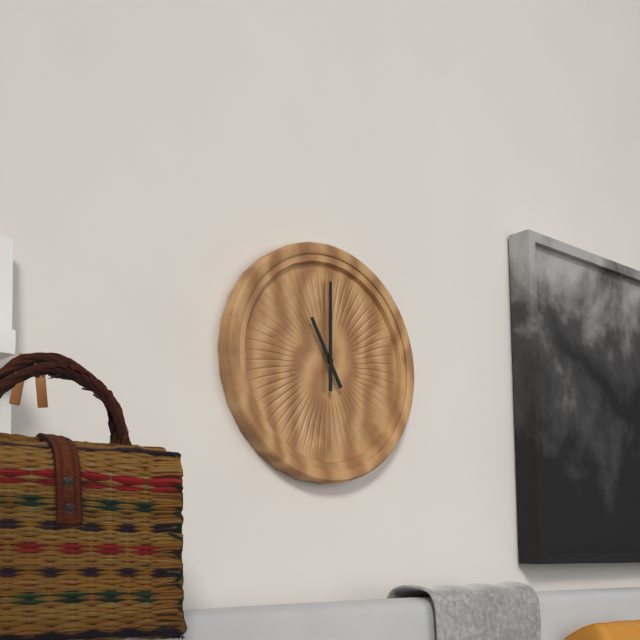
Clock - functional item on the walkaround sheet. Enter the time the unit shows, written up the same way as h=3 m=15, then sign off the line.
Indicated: h=11 m=0
